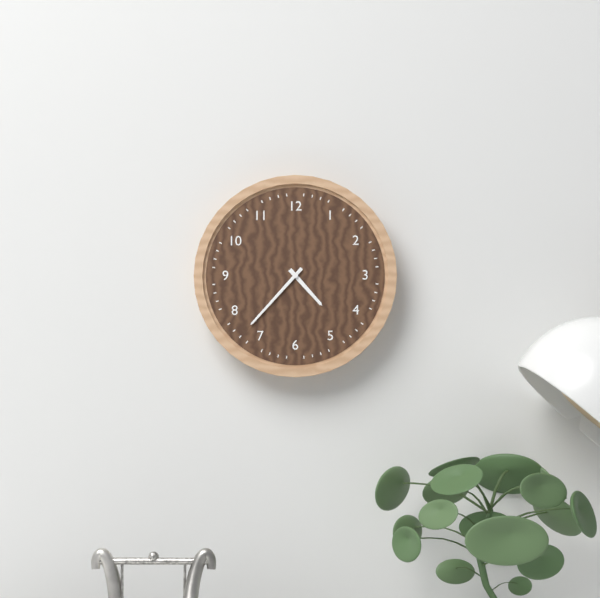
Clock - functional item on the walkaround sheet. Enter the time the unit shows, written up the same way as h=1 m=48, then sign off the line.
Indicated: h=4 m=37
